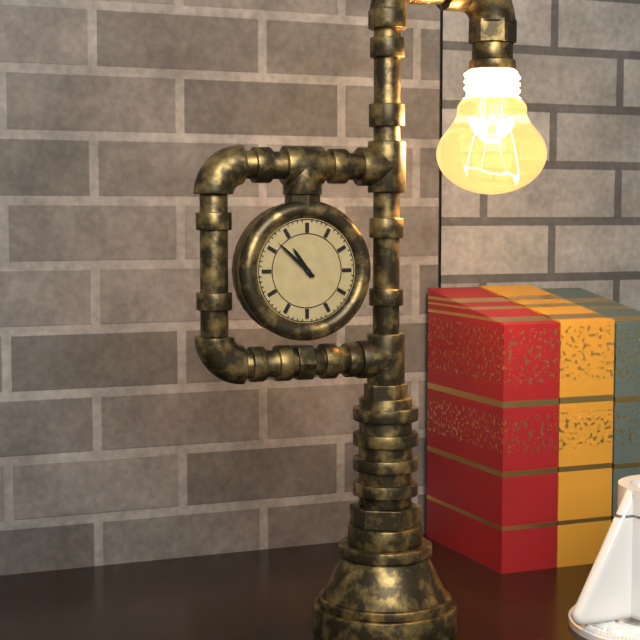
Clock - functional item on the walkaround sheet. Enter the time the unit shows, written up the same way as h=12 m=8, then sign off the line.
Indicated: h=10 m=52
